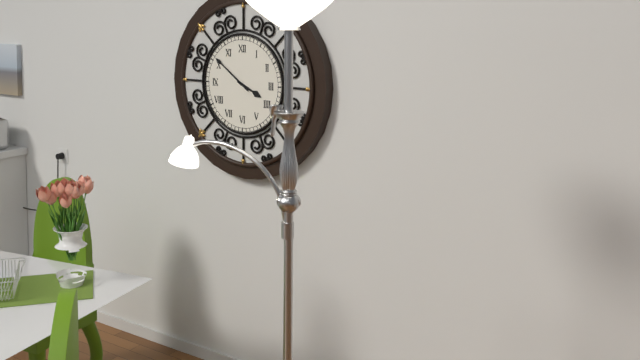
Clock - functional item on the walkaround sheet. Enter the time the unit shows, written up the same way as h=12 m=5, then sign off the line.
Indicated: h=3 m=51
